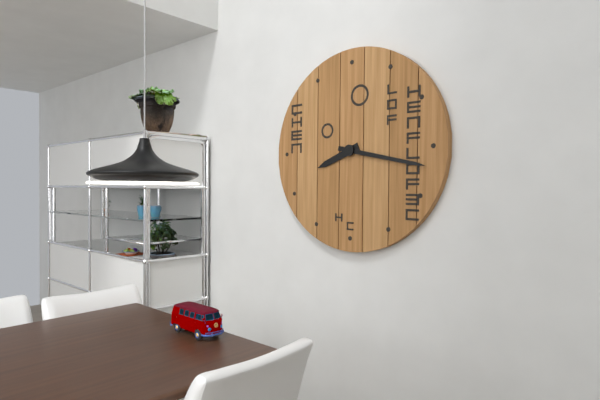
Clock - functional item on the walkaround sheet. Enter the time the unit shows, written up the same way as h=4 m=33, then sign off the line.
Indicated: h=8 m=17
